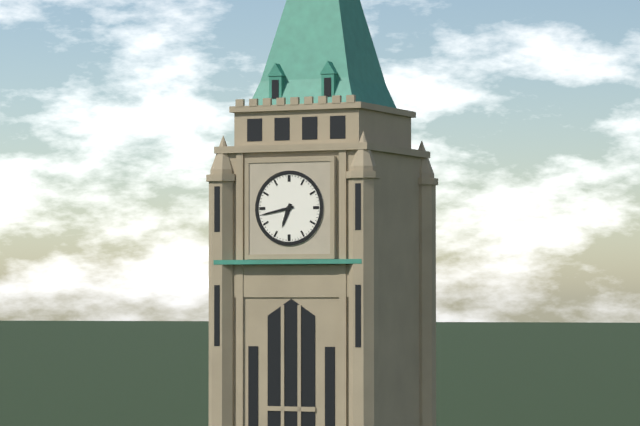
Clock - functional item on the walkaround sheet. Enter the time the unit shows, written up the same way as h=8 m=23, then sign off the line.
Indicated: h=6 m=43
